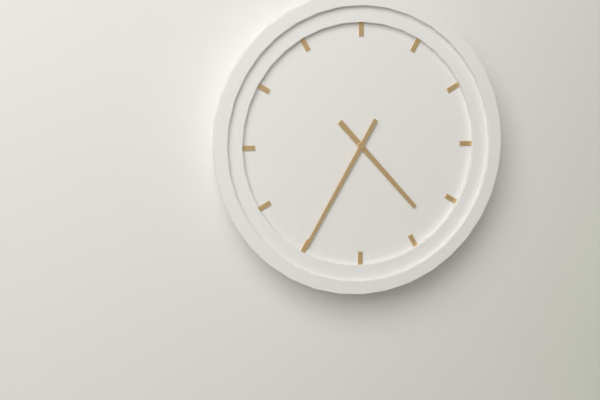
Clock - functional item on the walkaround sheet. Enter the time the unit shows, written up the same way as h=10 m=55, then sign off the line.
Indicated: h=4 m=35
